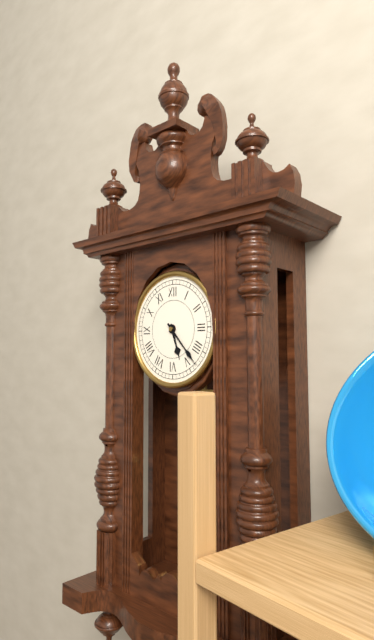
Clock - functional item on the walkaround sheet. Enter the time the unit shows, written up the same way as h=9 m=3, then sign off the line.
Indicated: h=5 m=23
